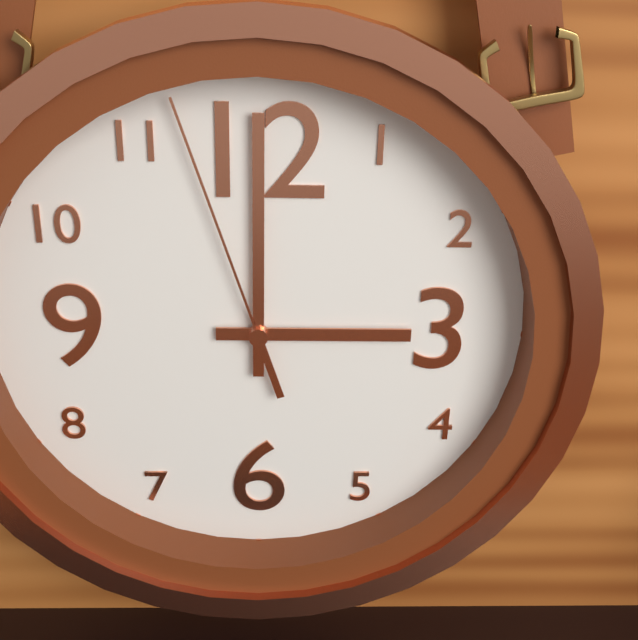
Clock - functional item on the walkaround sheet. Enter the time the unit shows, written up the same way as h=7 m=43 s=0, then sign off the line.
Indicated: h=3 m=0 s=57
